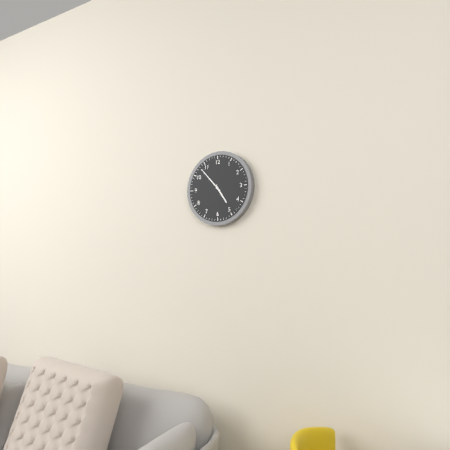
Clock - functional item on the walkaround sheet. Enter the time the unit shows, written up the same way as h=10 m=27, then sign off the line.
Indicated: h=4 m=53
